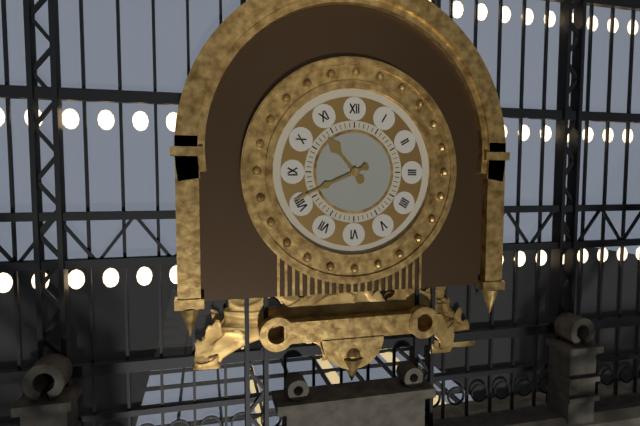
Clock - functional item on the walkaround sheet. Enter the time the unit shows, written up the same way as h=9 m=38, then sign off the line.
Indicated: h=10 m=41
